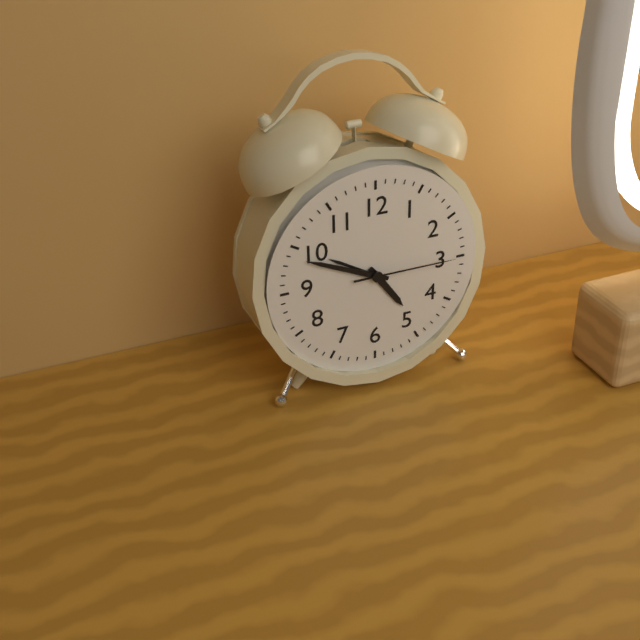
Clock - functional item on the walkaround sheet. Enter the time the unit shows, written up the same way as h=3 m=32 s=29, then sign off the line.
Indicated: h=4 m=49 s=15
